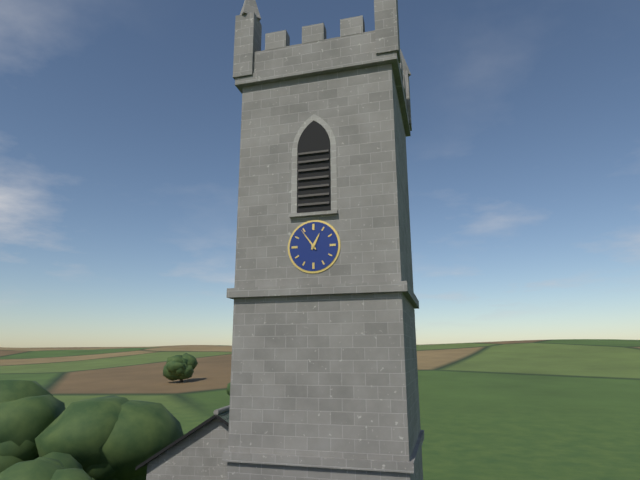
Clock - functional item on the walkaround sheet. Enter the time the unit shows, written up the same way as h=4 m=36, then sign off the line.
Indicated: h=12 m=54
